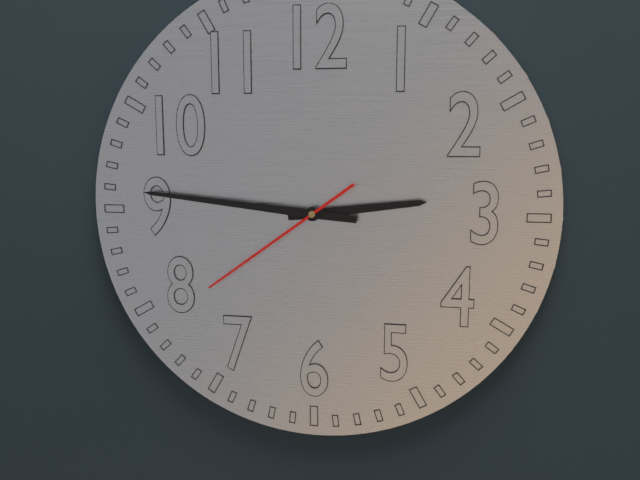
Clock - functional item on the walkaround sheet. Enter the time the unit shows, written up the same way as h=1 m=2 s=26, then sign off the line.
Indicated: h=2 m=46 s=39
